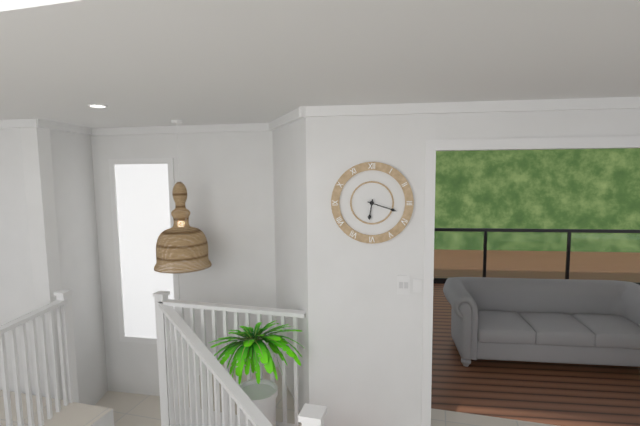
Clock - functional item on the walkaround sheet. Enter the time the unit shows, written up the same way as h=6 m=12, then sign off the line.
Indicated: h=6 m=18
